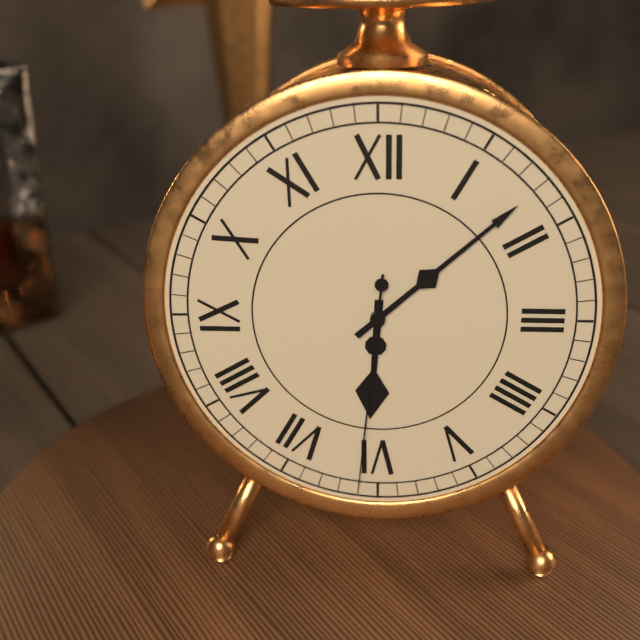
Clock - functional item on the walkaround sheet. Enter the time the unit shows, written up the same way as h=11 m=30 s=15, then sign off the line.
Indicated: h=6 m=8 s=31
